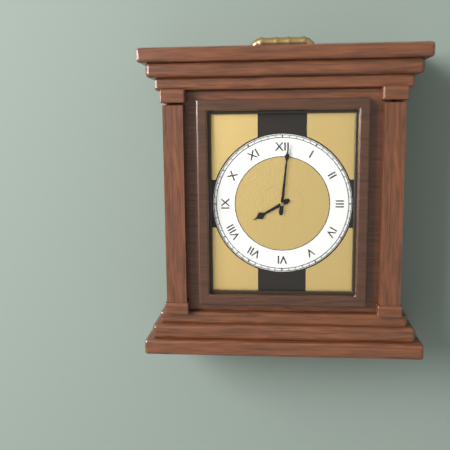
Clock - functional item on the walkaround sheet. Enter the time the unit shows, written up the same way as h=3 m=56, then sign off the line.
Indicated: h=8 m=1
